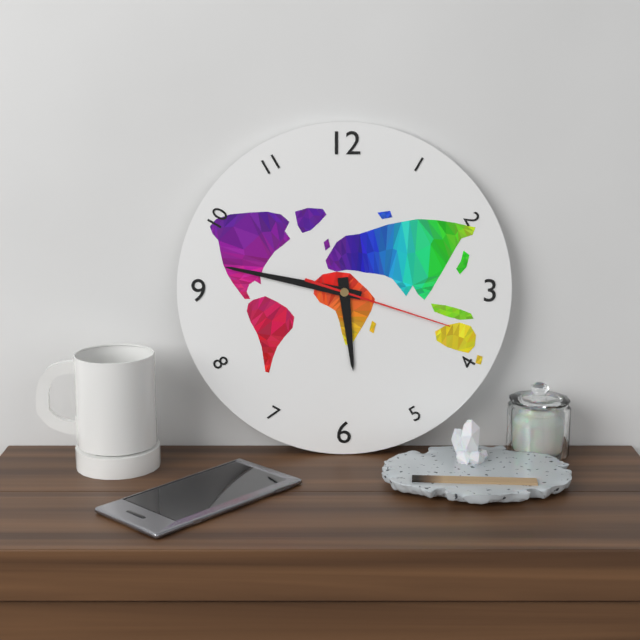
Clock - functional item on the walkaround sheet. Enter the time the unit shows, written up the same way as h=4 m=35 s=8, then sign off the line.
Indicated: h=5 m=47 s=18
